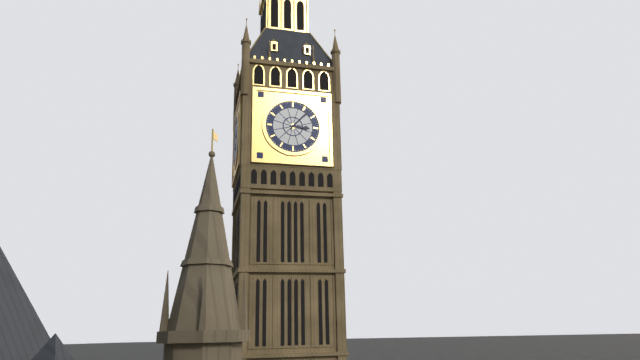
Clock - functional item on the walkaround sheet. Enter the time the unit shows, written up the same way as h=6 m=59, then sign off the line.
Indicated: h=3 m=7
